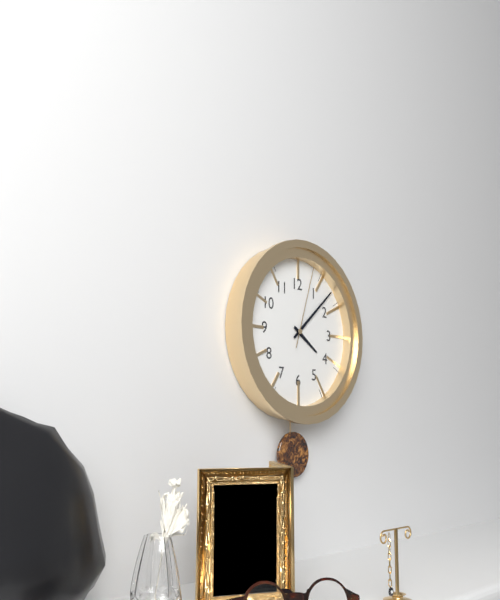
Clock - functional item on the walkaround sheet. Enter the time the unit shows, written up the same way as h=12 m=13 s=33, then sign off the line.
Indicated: h=4 m=8 s=3
